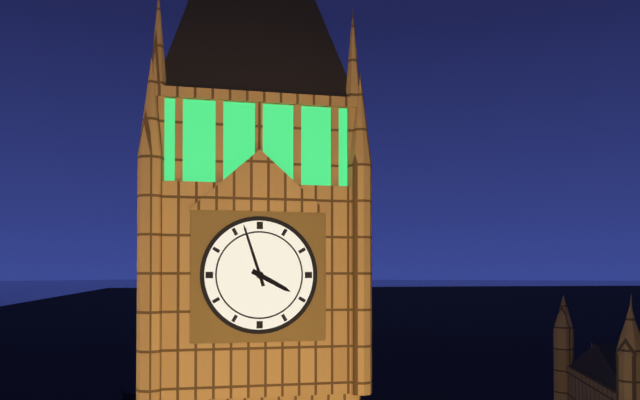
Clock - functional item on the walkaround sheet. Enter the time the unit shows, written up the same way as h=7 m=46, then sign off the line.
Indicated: h=3 m=57
